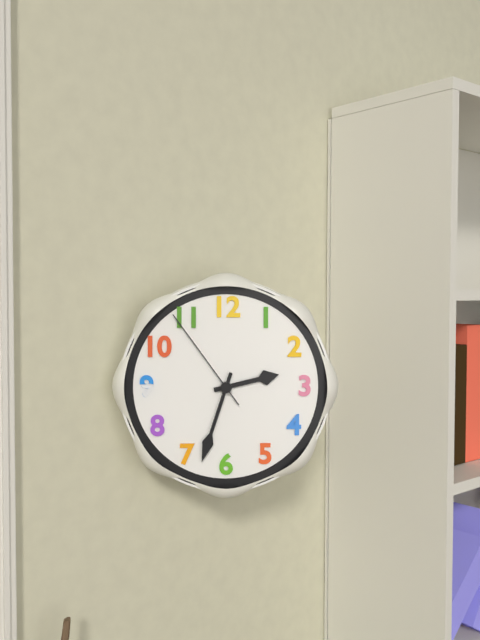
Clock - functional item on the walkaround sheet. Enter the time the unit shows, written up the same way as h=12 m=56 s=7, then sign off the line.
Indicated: h=2 m=33 s=54
